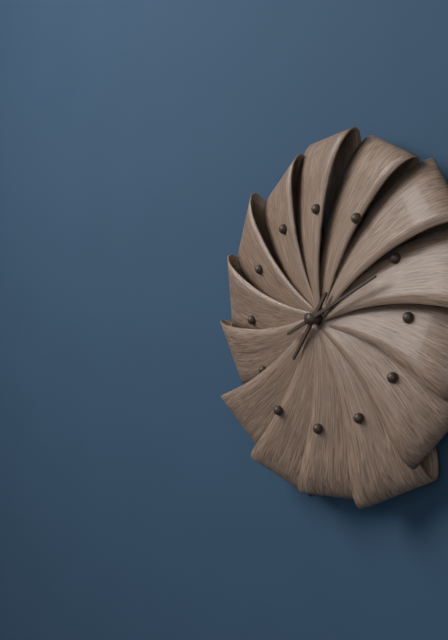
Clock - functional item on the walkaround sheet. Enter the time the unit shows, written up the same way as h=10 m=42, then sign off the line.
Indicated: h=7 m=11
